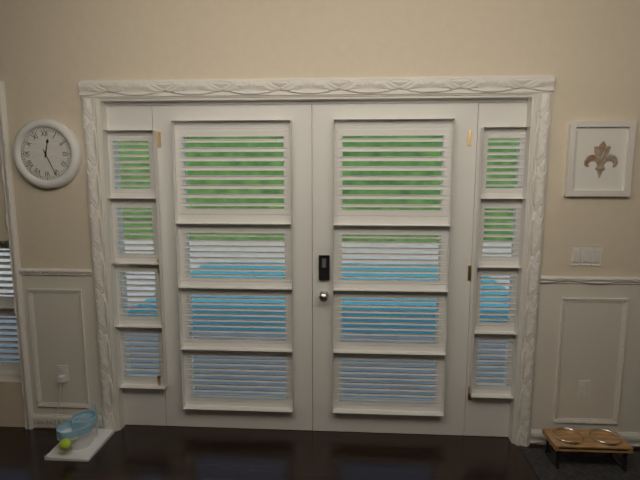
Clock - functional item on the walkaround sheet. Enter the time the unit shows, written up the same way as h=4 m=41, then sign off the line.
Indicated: h=12 m=26
